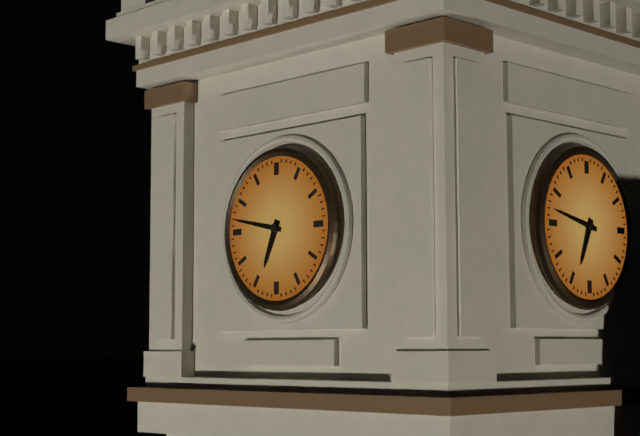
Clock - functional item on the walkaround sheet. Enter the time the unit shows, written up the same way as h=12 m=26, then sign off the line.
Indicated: h=6 m=47
